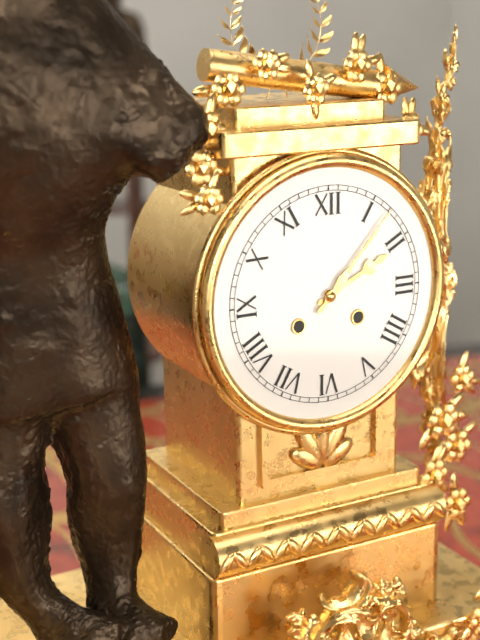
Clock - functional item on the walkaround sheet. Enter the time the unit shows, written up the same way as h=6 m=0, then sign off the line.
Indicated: h=2 m=7
